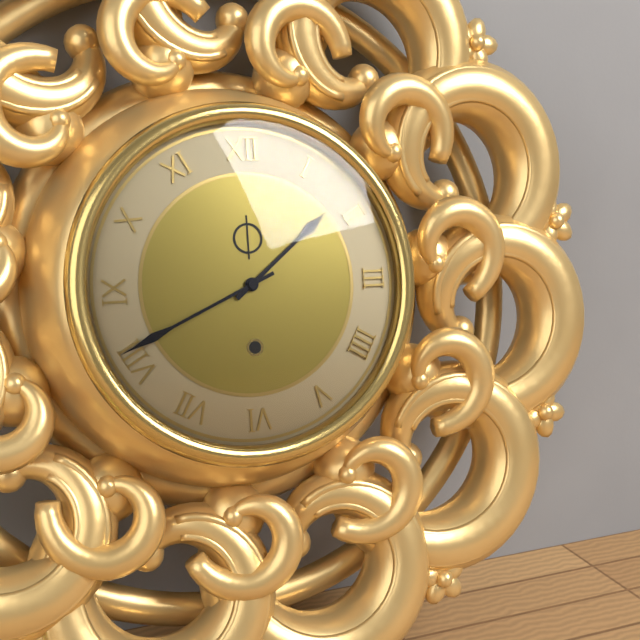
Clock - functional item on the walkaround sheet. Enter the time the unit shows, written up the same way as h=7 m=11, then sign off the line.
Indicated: h=1 m=41
